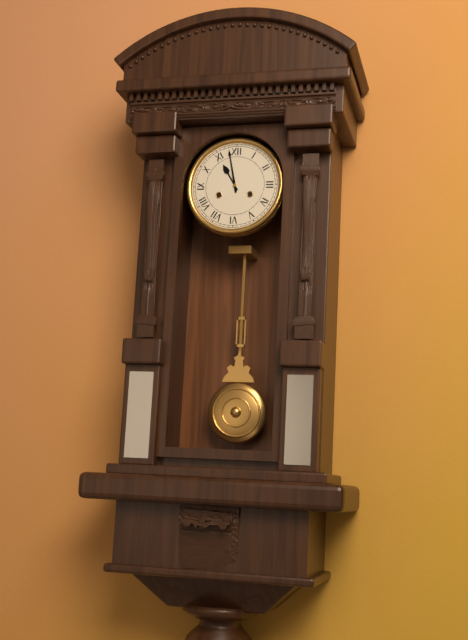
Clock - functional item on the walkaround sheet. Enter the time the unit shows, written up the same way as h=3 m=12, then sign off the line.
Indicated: h=10 m=58
